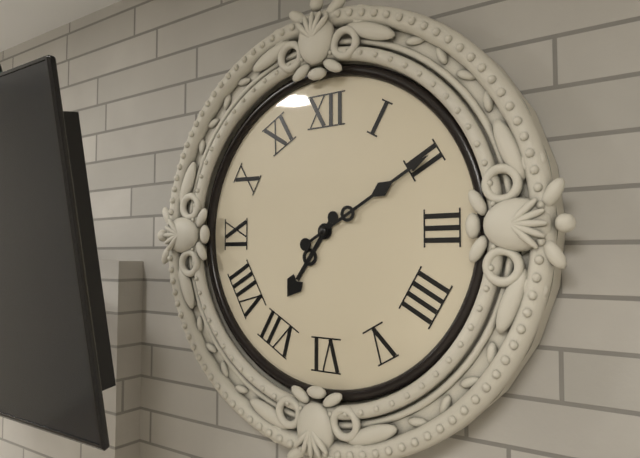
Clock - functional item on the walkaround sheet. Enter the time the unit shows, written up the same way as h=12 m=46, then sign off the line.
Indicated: h=7 m=10
